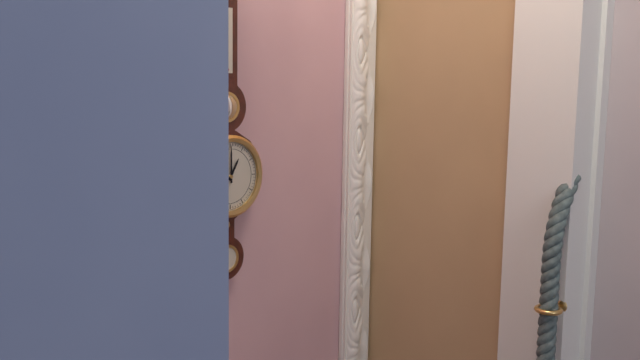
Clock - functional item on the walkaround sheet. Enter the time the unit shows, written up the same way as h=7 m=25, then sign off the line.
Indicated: h=1 m=0
